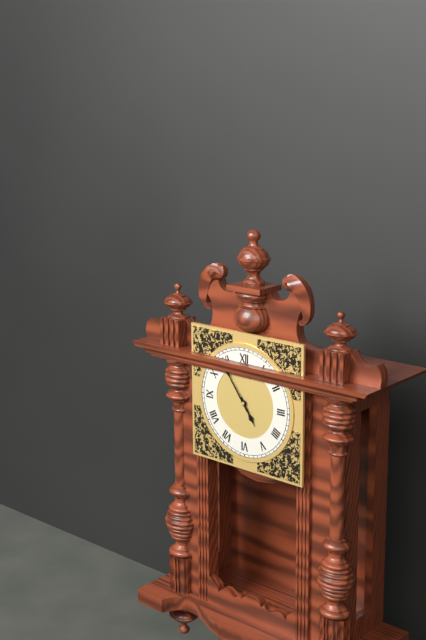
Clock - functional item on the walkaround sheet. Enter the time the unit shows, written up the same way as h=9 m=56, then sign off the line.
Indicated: h=4 m=54
